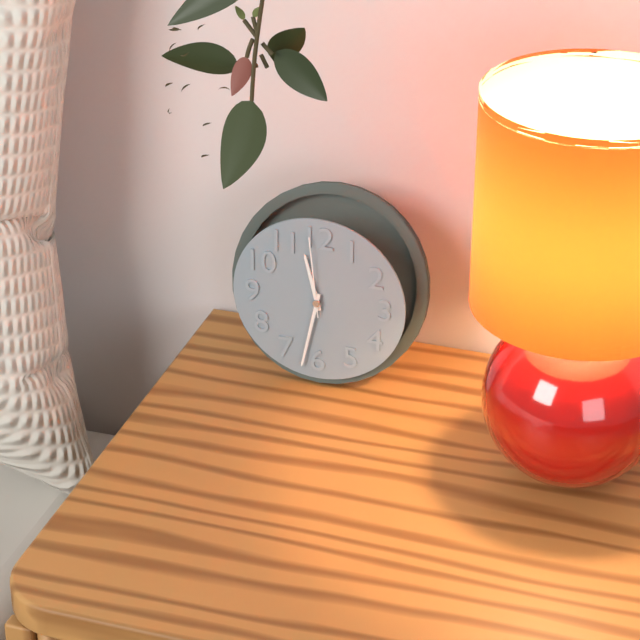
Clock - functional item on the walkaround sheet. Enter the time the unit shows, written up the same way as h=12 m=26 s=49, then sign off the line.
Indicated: h=11 m=32 s=59
